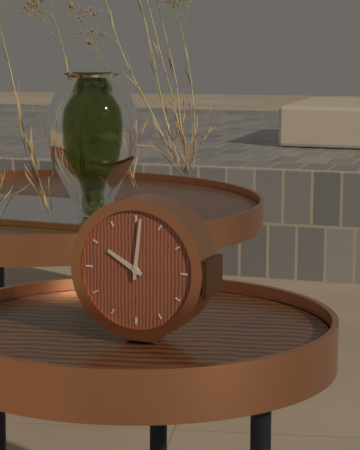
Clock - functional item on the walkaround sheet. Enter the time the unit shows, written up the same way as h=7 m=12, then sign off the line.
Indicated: h=10 m=1
